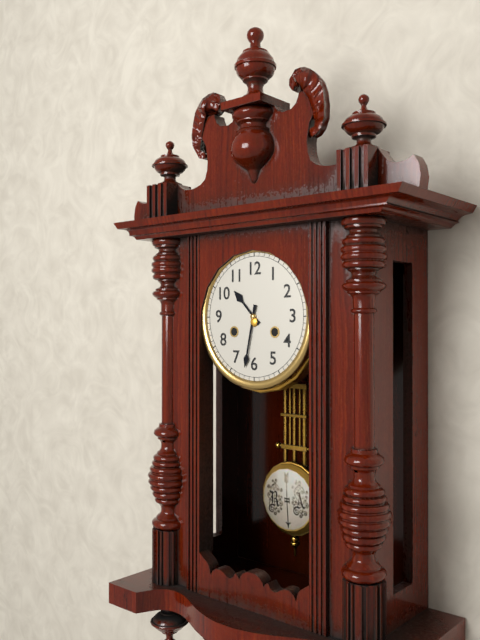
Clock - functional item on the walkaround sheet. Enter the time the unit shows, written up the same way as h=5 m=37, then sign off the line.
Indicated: h=10 m=32
